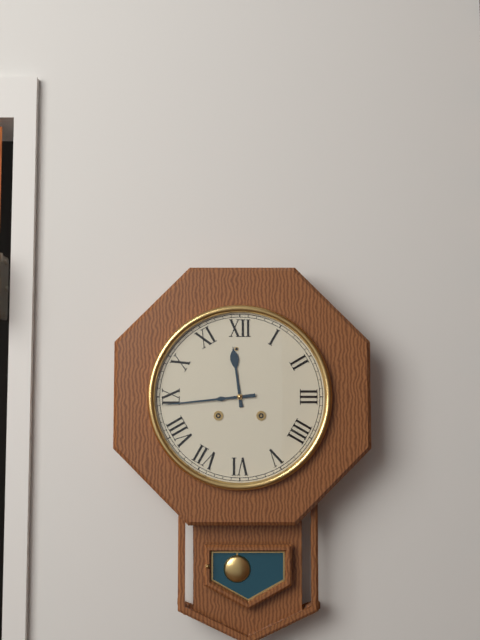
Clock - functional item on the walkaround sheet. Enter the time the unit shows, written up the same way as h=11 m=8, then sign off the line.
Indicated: h=11 m=44
